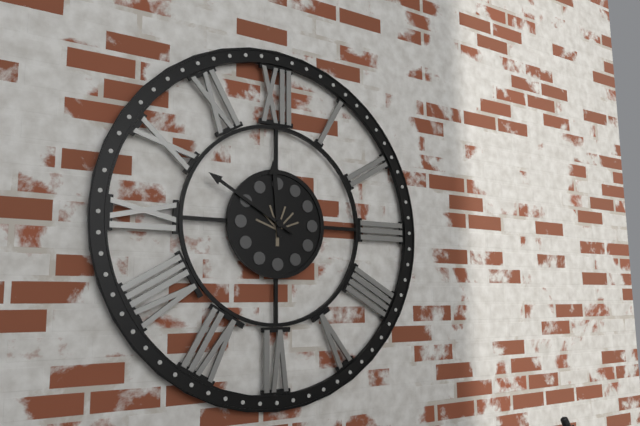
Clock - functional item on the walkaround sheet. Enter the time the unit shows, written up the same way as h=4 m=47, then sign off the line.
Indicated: h=11 m=50
